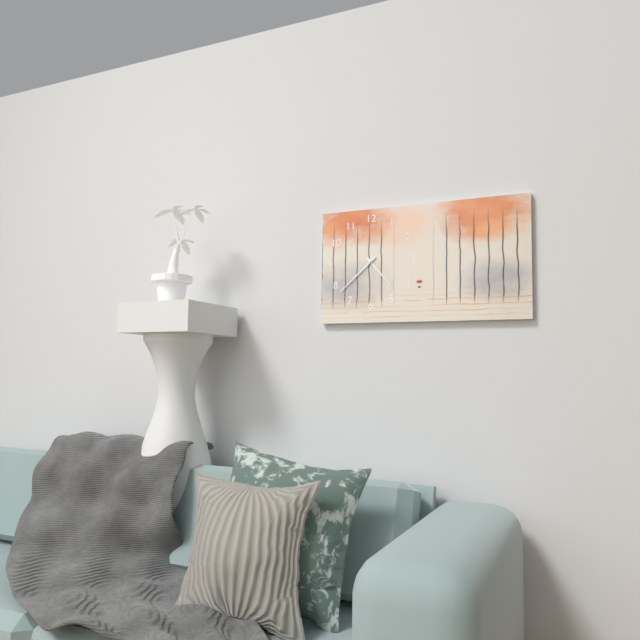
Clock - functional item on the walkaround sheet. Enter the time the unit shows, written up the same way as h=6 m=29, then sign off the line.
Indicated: h=4 m=38
